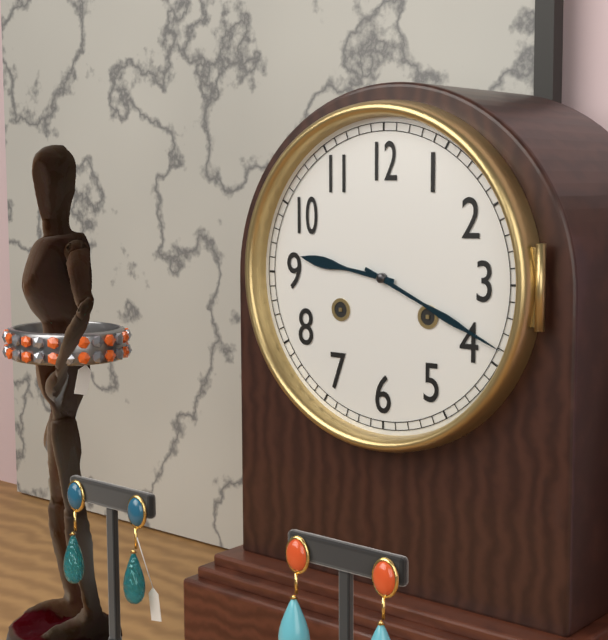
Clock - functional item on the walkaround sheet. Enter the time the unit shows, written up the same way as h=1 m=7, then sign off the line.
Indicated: h=9 m=19
